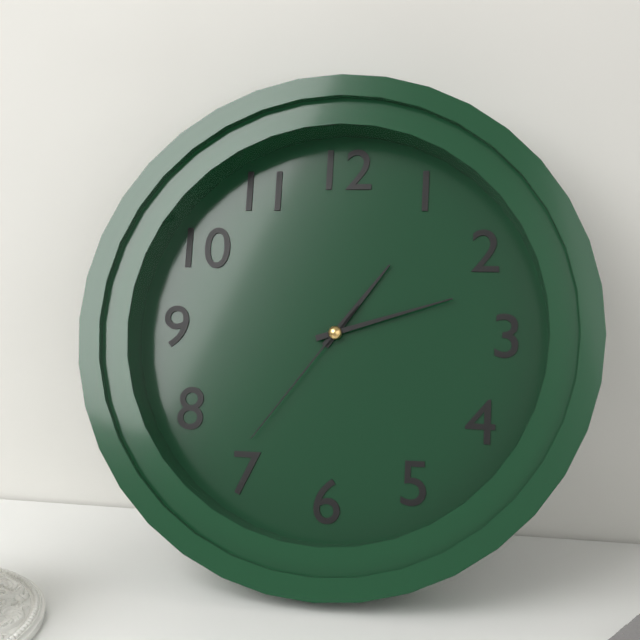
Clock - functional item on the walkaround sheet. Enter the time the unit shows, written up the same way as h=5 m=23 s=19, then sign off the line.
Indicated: h=1 m=12 s=36
